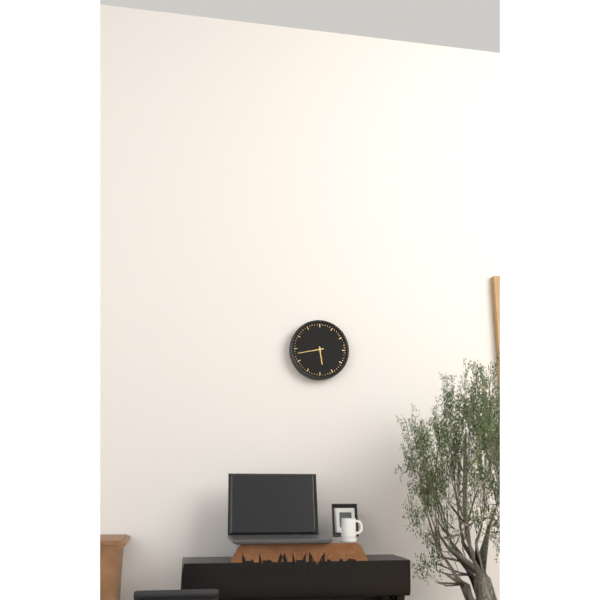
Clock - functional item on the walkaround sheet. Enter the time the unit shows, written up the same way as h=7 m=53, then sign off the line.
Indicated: h=5 m=43
